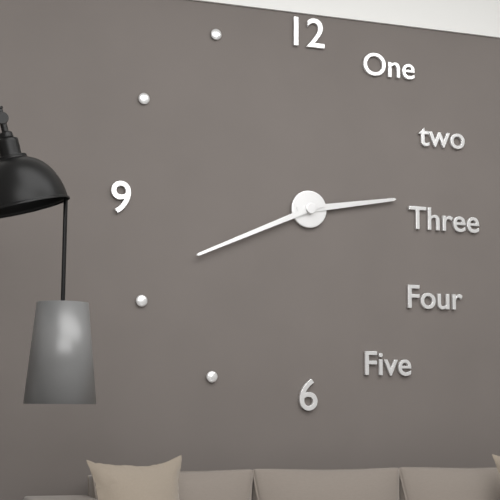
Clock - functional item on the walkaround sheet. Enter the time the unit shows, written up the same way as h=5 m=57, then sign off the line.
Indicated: h=2 m=41
